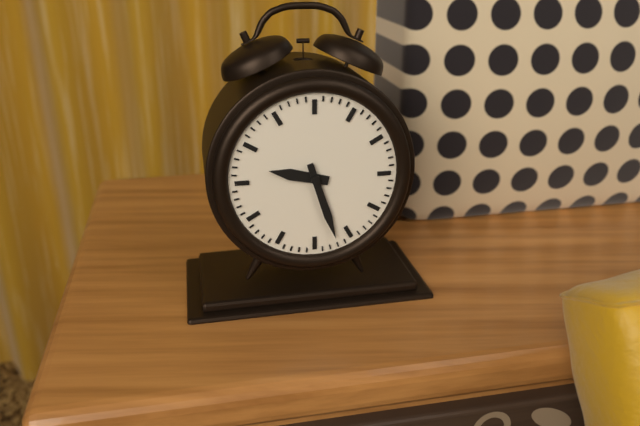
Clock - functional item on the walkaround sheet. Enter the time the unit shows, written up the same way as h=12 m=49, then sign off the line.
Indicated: h=9 m=27
